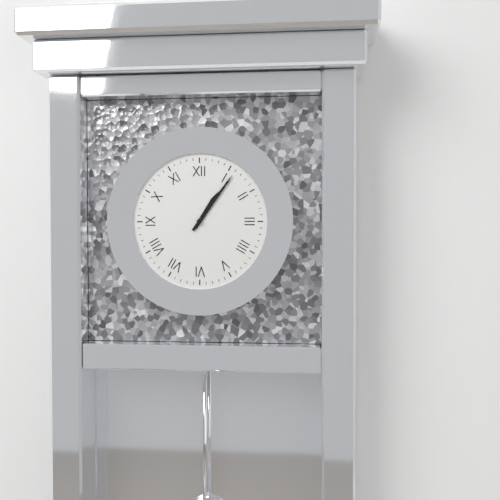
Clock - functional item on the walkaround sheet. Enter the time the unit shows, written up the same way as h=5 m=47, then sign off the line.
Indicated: h=1 m=6
